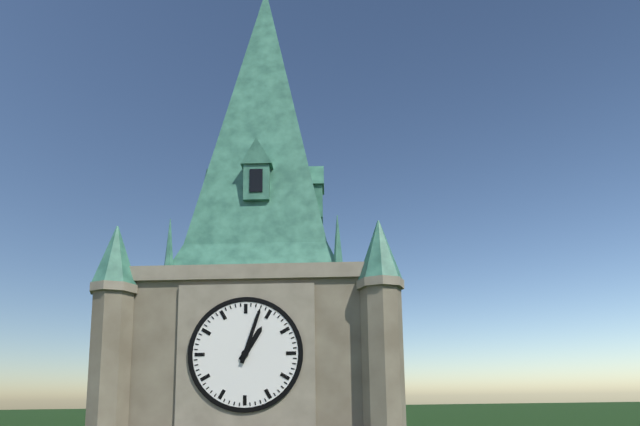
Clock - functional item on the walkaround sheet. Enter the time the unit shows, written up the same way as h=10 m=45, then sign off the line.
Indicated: h=1 m=3
